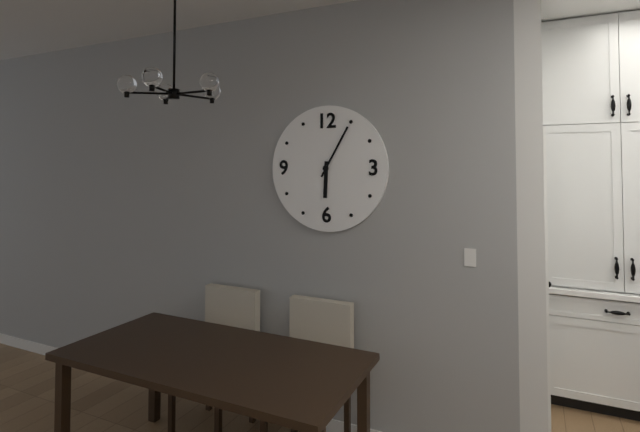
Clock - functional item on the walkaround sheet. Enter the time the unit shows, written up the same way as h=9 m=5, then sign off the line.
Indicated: h=6 m=5
